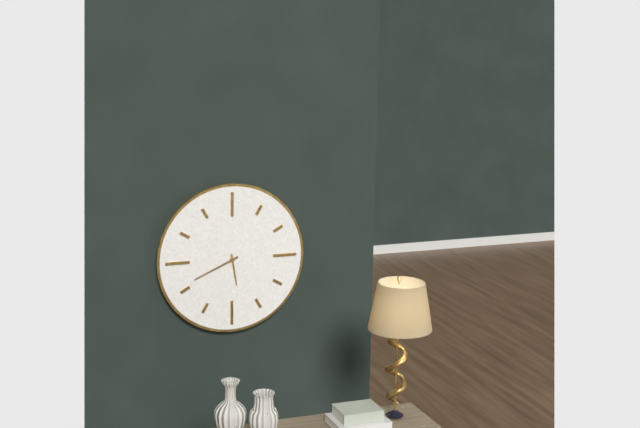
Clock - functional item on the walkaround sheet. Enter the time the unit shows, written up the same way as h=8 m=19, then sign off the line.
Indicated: h=5 m=41
